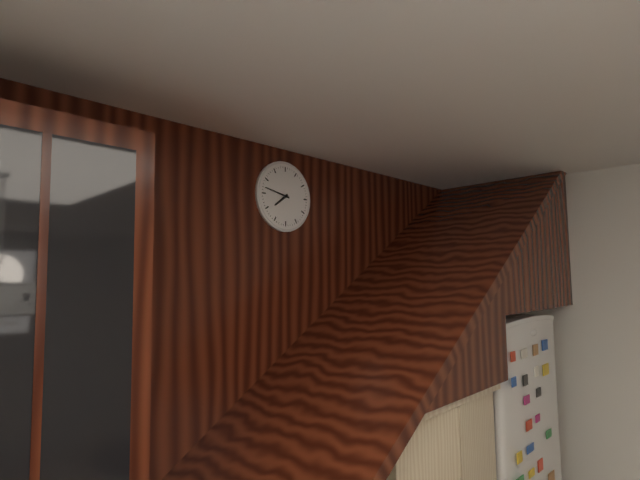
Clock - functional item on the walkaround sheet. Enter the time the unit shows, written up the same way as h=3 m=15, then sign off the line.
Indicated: h=7 m=47
